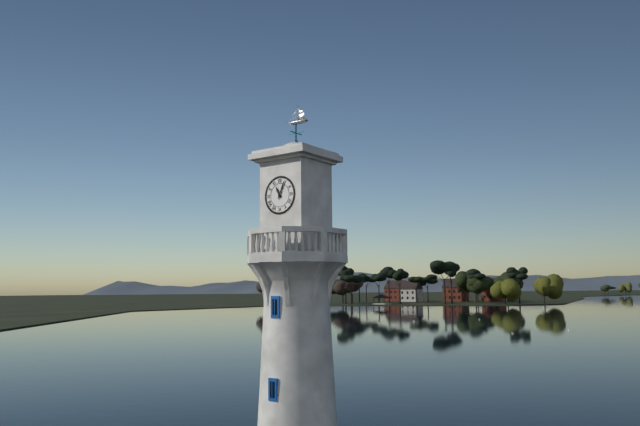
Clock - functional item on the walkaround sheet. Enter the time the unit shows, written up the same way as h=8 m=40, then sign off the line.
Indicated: h=11 m=4
